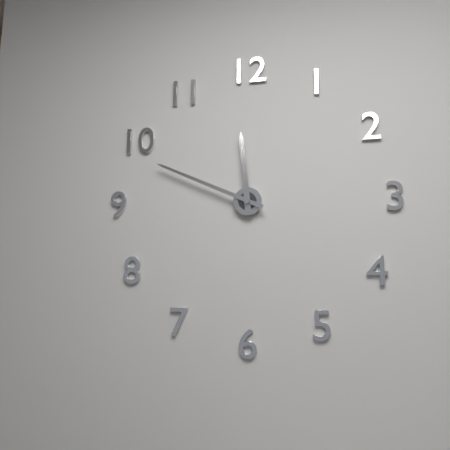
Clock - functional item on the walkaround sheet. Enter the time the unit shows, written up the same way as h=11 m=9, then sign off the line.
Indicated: h=11 m=49
